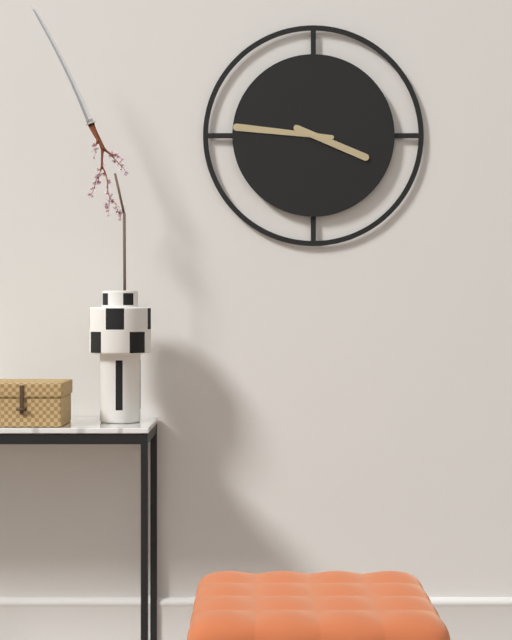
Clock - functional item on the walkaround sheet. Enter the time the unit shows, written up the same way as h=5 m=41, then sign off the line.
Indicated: h=3 m=46
